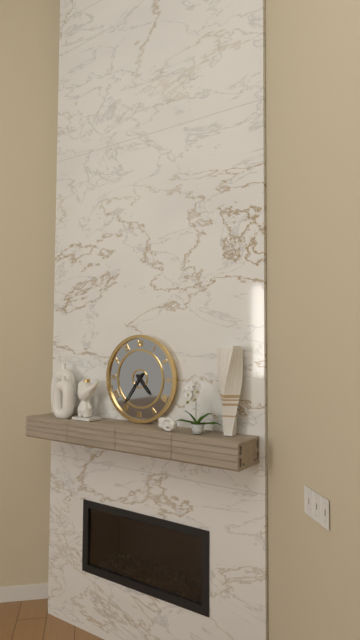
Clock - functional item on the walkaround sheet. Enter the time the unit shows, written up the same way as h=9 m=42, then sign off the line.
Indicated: h=4 m=36
